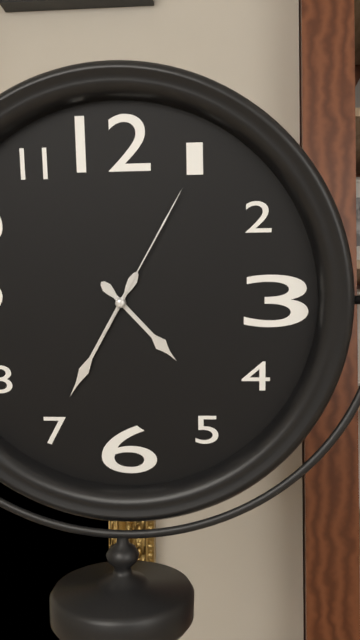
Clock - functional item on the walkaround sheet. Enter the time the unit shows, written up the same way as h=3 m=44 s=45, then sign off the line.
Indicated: h=4 m=35 s=5
